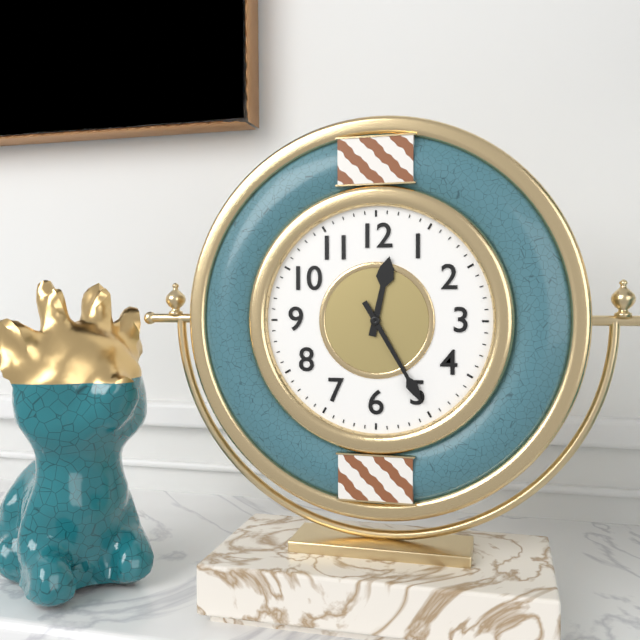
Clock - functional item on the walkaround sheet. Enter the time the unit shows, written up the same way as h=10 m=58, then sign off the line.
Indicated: h=12 m=25
